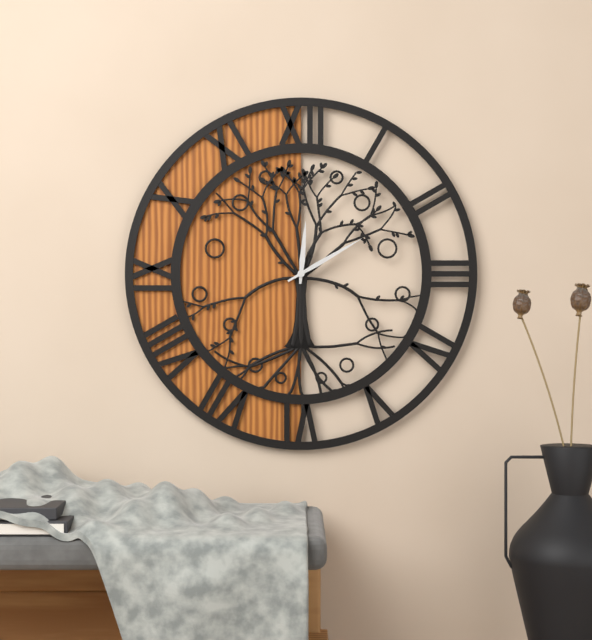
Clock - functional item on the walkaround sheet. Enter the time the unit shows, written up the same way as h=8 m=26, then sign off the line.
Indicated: h=12 m=10
